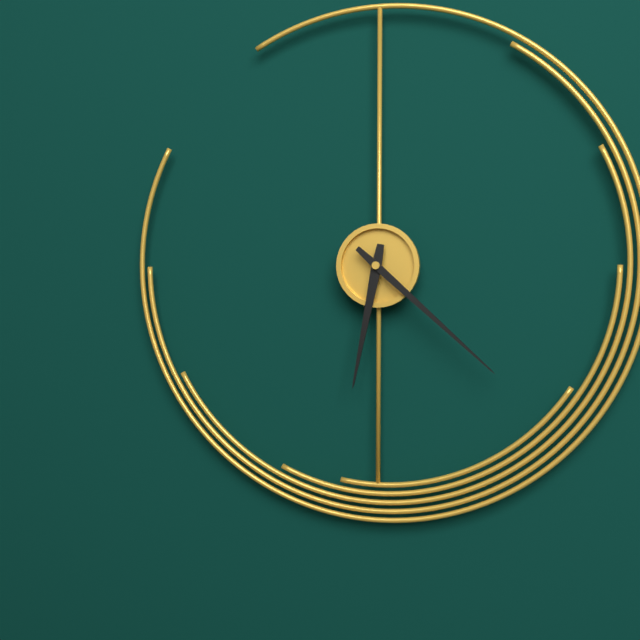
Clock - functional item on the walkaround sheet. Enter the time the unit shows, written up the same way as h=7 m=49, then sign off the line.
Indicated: h=6 m=22
